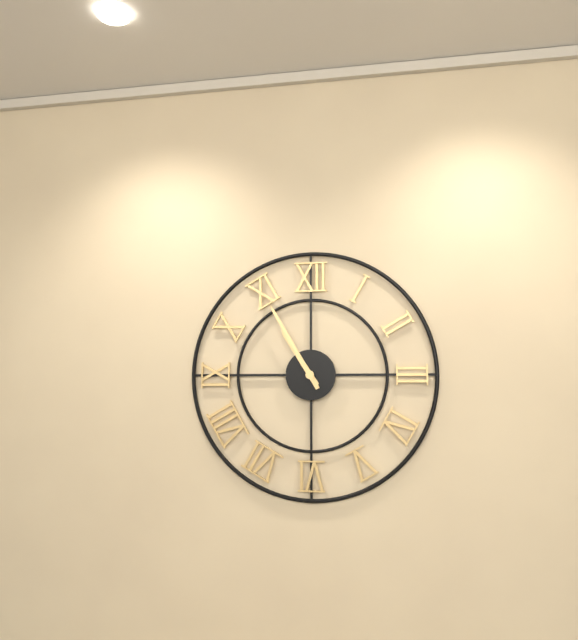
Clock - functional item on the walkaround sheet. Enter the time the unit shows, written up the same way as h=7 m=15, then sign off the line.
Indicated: h=10 m=55
